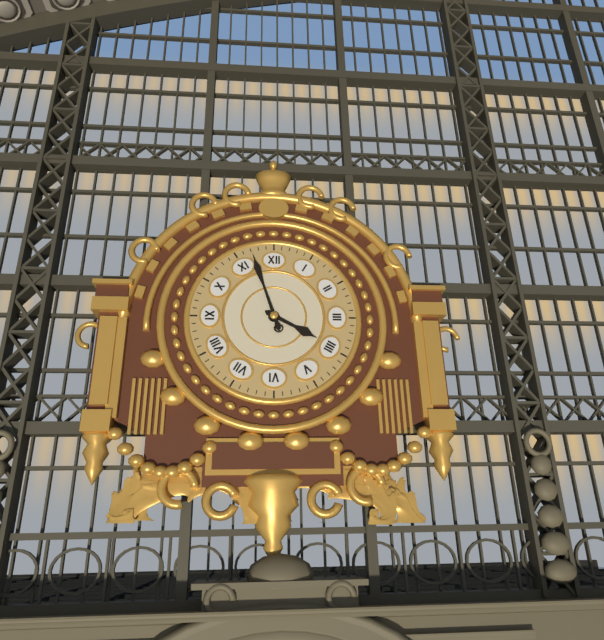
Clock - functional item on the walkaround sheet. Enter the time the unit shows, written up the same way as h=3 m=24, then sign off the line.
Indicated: h=3 m=57
